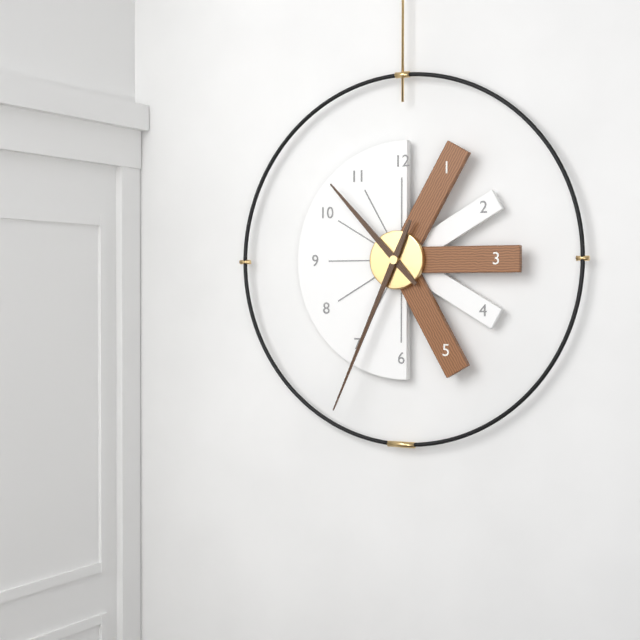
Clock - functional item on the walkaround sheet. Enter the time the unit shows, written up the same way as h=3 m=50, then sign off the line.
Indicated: h=10 m=34
